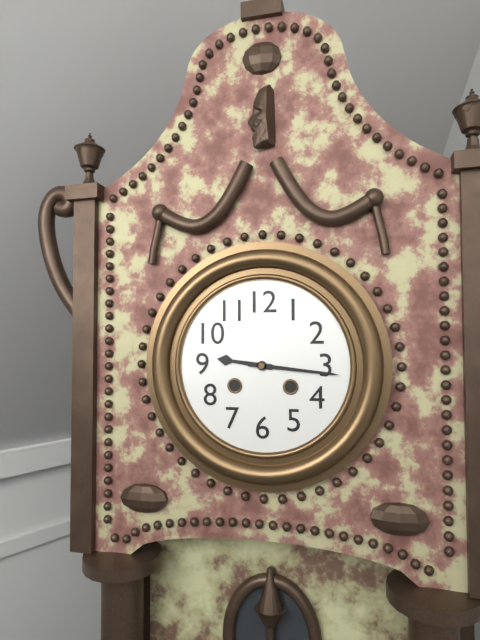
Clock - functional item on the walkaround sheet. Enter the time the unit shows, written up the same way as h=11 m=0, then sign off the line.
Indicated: h=9 m=16
